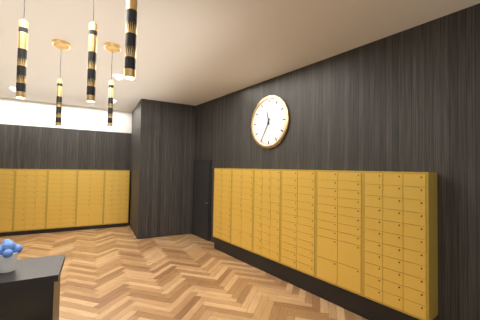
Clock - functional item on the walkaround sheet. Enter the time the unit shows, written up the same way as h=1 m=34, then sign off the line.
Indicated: h=11 m=35
